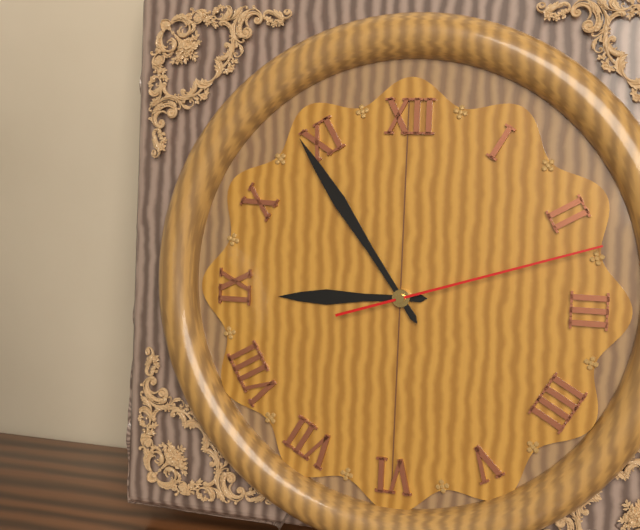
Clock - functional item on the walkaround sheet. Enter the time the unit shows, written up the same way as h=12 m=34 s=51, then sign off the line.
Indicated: h=8 m=54 s=12
